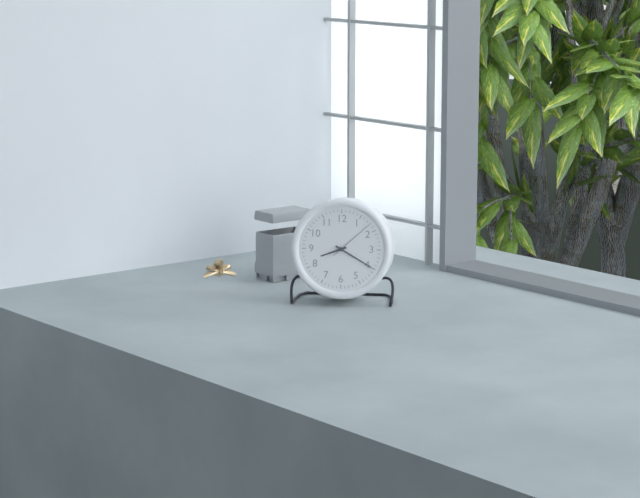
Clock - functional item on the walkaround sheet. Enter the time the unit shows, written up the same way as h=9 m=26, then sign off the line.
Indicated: h=8 m=20
